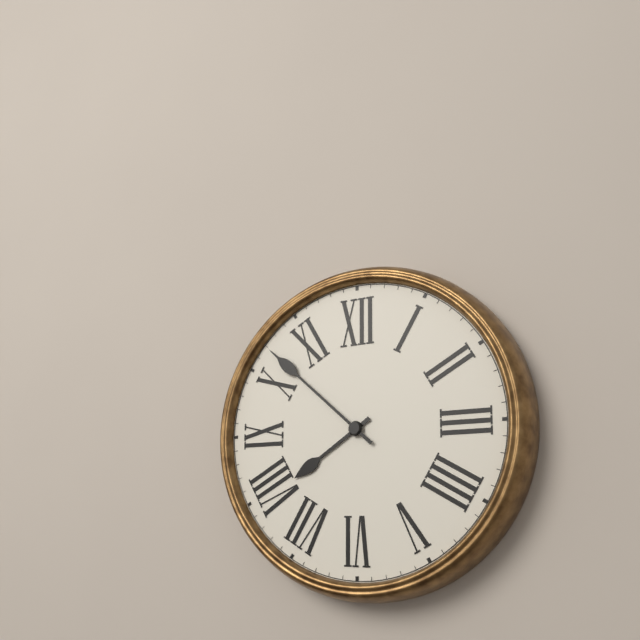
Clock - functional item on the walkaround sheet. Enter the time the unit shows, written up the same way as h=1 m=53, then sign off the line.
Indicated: h=7 m=52
